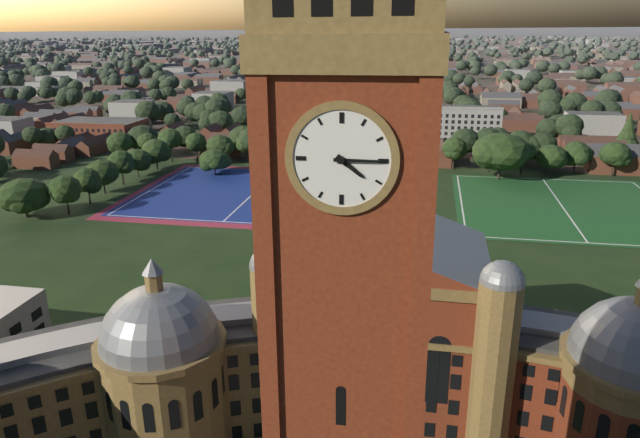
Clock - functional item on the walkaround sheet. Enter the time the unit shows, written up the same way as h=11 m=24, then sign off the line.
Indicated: h=4 m=15
